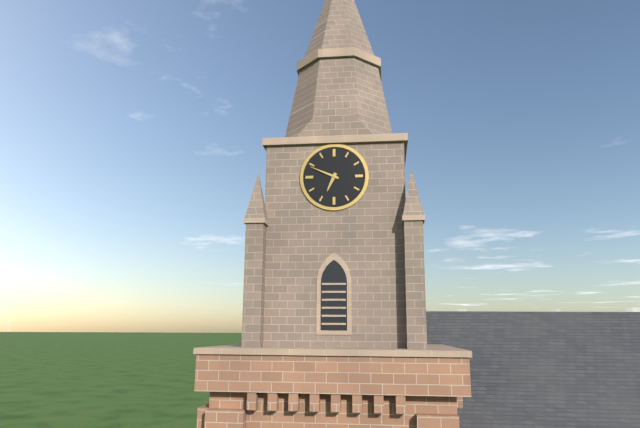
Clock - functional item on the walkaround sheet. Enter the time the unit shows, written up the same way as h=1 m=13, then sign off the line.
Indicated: h=6 m=49
